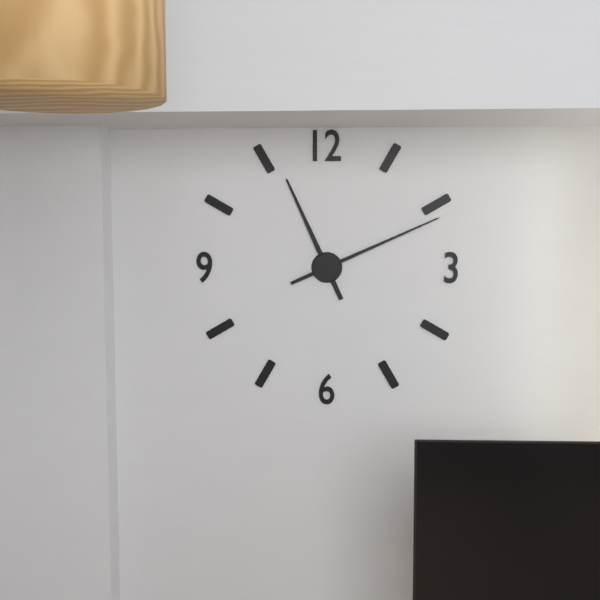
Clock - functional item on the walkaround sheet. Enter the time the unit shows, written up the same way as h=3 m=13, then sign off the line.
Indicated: h=11 m=11
